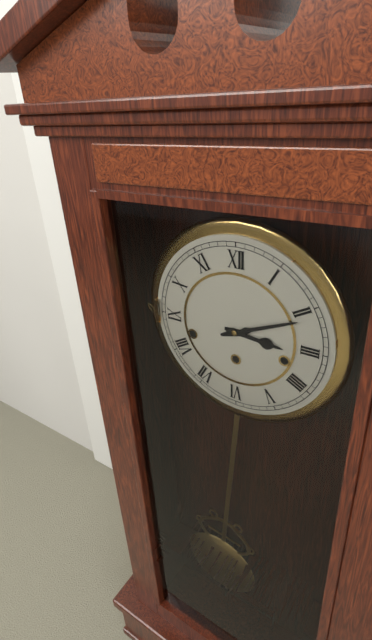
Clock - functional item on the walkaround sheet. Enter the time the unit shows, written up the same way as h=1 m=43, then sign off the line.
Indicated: h=3 m=11
